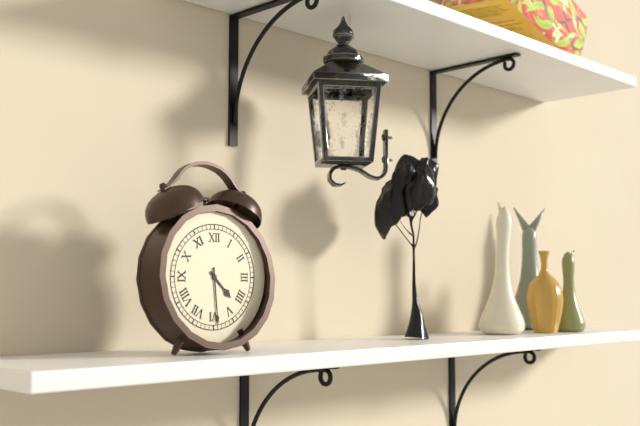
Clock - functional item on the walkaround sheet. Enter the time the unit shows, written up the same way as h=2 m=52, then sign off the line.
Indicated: h=4 m=29
